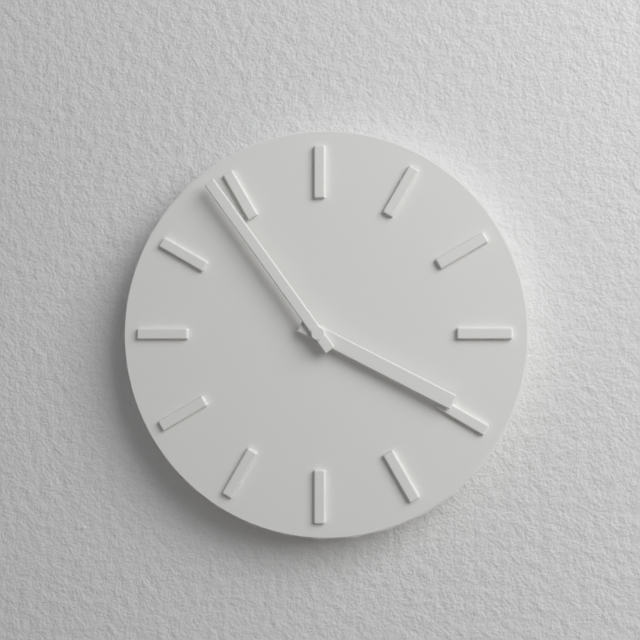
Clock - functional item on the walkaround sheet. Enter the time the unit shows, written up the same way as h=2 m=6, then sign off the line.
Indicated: h=3 m=54
